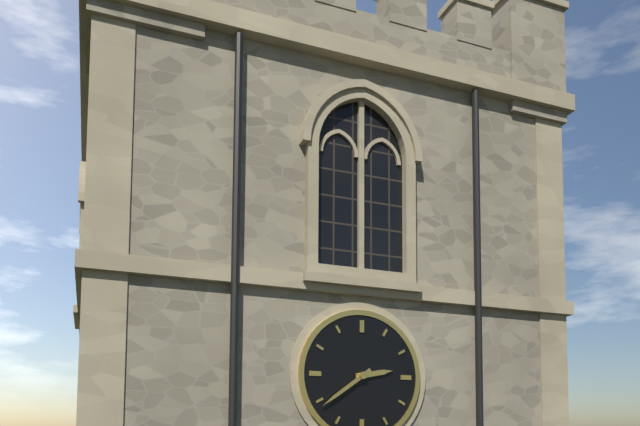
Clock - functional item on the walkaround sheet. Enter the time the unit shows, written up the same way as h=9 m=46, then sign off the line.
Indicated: h=2 m=39
